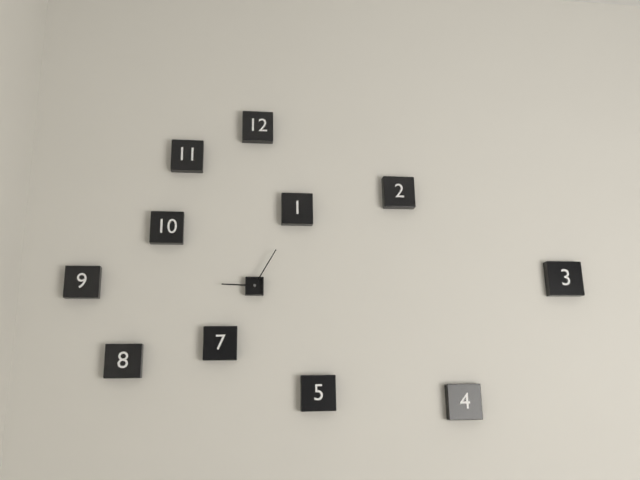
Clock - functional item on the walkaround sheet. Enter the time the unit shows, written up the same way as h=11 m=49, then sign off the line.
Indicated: h=9 m=5
